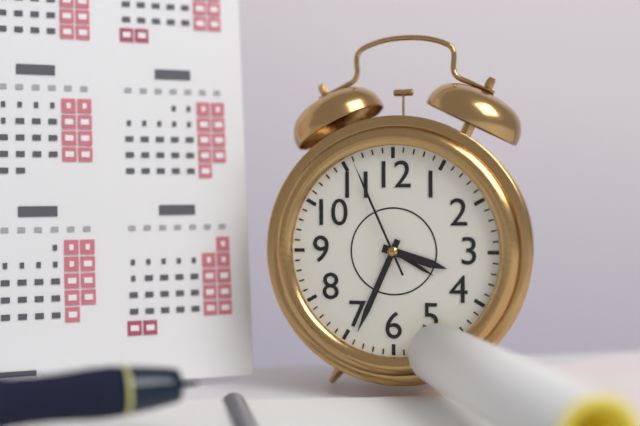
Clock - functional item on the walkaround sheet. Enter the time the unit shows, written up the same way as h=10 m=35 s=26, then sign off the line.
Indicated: h=3 m=34 s=56
